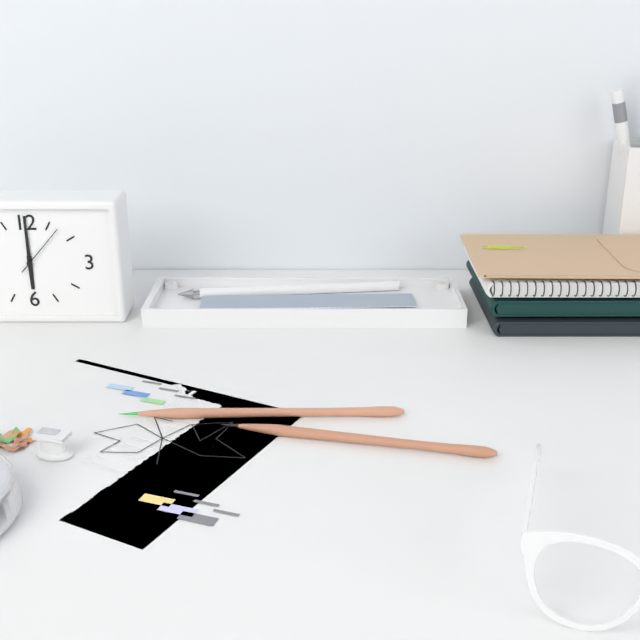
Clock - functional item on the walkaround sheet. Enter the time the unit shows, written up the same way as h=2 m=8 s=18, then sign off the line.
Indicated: h=6 m=0 s=7
